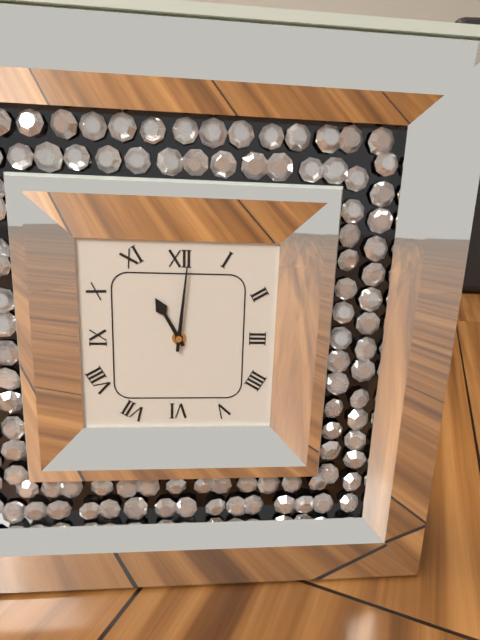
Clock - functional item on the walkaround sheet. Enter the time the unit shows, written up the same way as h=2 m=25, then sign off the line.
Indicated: h=11 m=1
